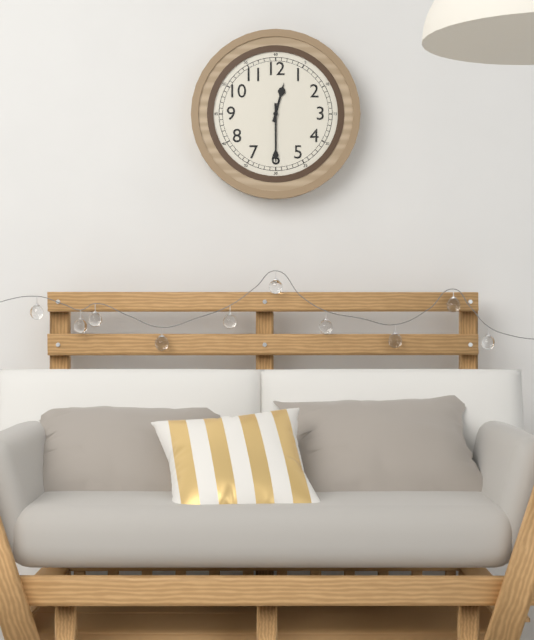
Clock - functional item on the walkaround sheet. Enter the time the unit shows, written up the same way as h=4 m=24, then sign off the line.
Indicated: h=12 m=30
